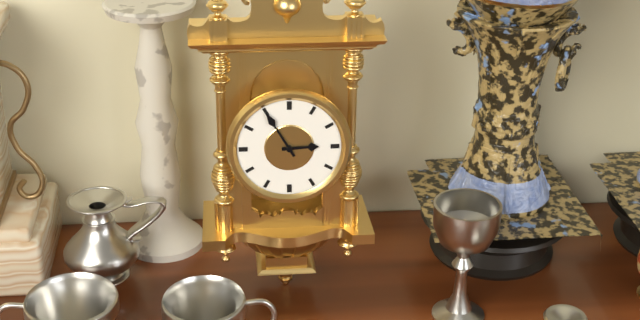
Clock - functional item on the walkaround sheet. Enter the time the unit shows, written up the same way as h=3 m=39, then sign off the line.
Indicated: h=2 m=55
